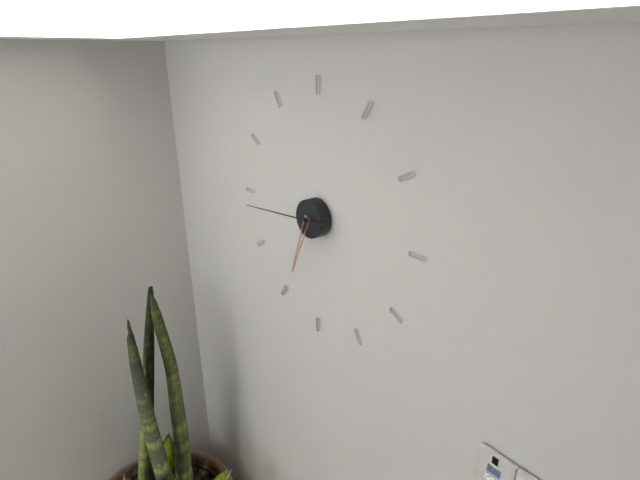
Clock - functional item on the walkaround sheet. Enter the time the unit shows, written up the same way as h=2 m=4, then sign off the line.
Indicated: h=6 m=44
